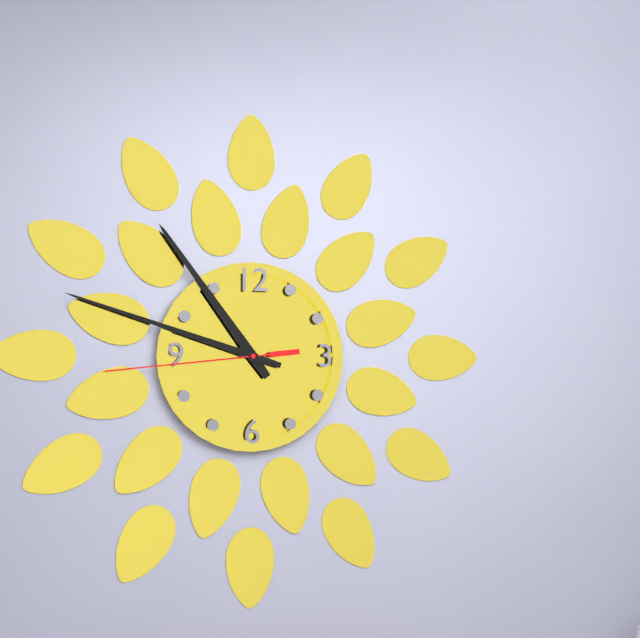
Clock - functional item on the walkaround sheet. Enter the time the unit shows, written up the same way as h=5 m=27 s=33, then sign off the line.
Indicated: h=10 m=48 s=44
